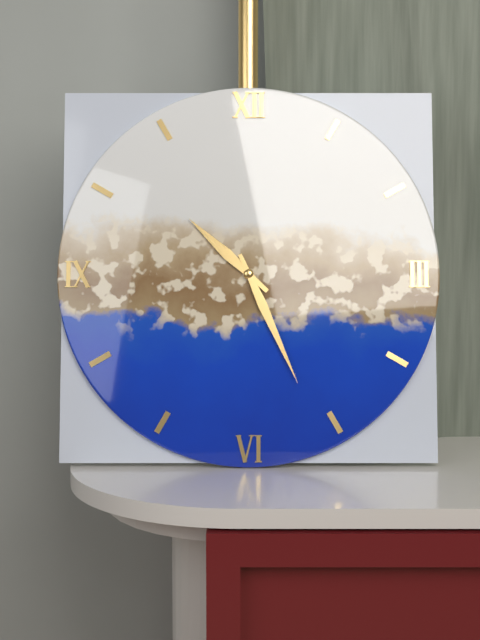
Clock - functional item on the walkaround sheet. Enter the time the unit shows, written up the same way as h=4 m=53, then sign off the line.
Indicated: h=10 m=26
